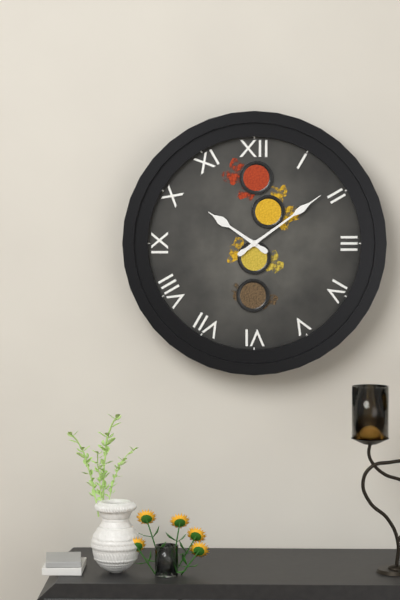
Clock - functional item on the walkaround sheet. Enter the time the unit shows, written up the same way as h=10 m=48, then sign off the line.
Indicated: h=10 m=9
